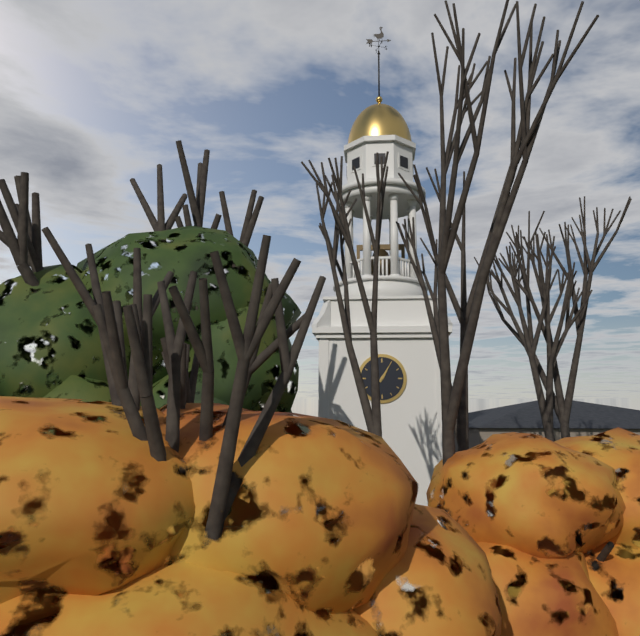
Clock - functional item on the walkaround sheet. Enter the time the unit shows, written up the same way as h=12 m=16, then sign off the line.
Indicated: h=1 m=5
